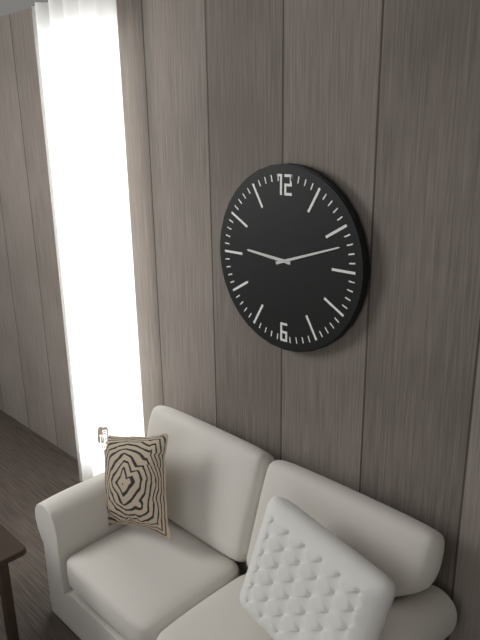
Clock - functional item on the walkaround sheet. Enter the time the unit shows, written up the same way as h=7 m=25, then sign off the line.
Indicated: h=9 m=12
